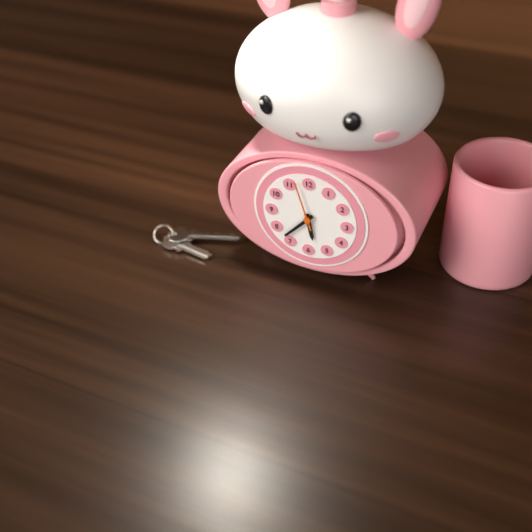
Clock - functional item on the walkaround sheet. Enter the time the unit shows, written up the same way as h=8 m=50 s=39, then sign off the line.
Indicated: h=5 m=37 s=57
